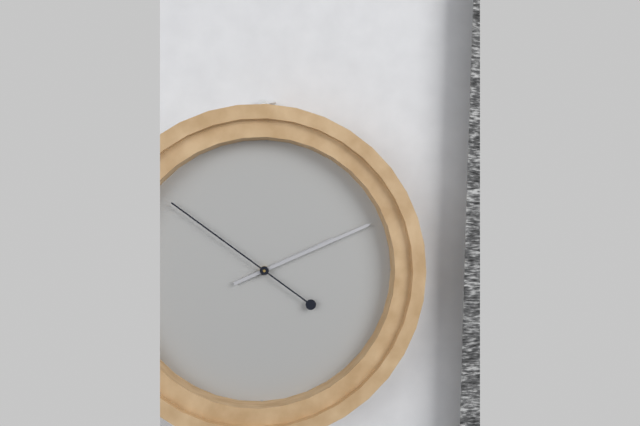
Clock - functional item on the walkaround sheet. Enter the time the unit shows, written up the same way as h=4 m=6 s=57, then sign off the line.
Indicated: h=2 m=11 s=51
